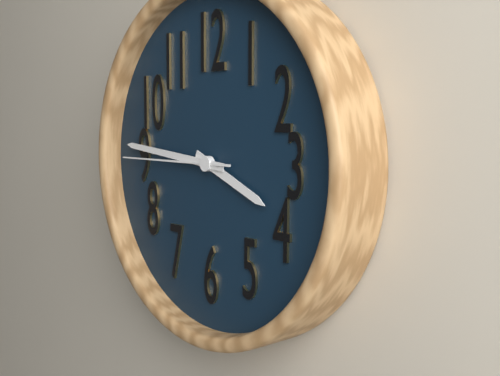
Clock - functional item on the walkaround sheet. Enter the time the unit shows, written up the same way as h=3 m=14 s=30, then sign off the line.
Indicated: h=3 m=46 s=45
